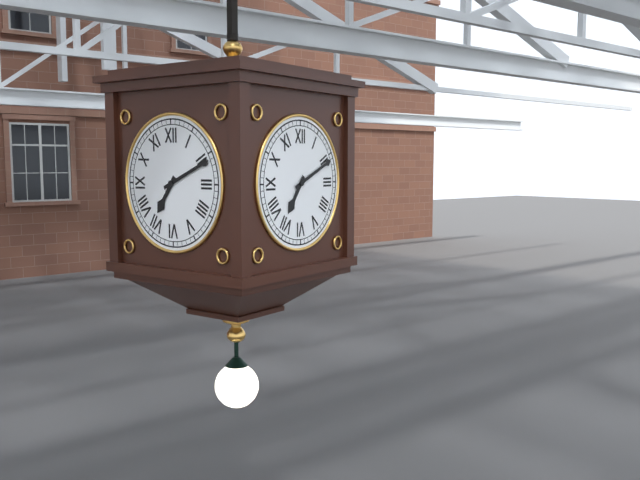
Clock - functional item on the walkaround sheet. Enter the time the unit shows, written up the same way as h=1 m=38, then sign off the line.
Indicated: h=7 m=11
